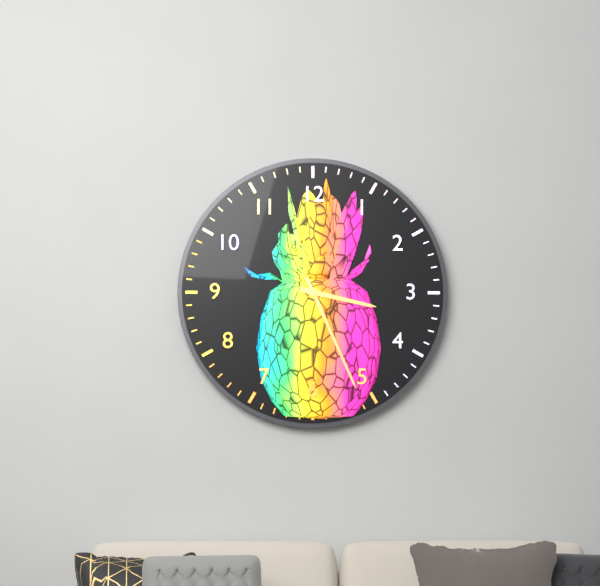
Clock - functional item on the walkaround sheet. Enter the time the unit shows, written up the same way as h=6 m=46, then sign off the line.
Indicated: h=3 m=26
